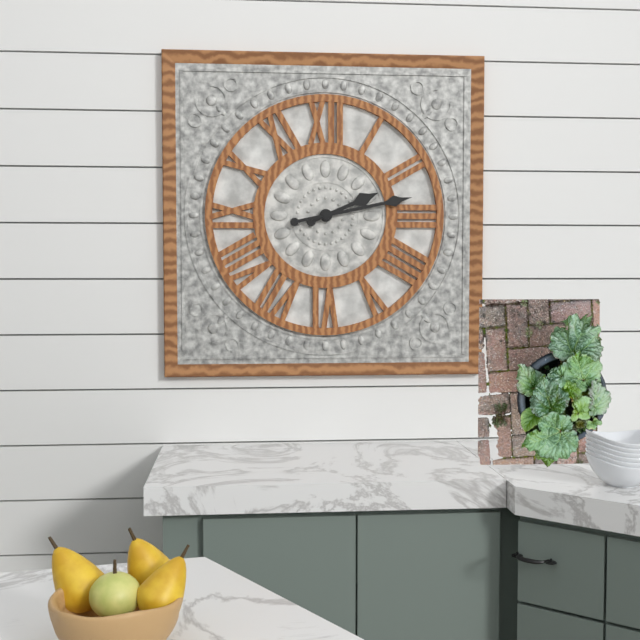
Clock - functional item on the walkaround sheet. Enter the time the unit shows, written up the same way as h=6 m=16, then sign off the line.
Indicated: h=2 m=13
